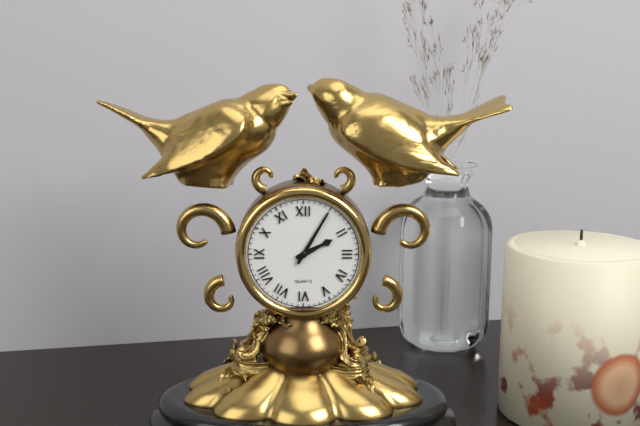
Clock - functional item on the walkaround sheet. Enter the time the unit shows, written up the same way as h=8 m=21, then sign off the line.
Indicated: h=2 m=5
